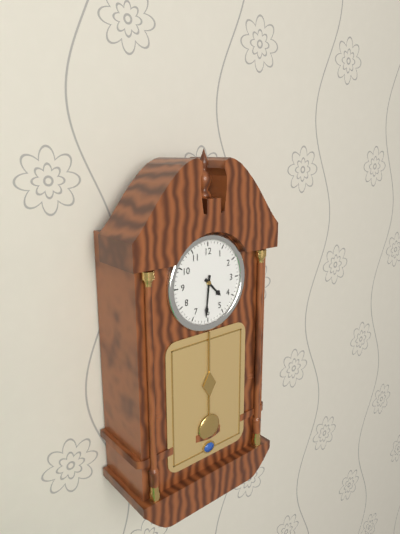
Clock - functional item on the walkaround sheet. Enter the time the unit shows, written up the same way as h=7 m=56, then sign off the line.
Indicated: h=4 m=31
